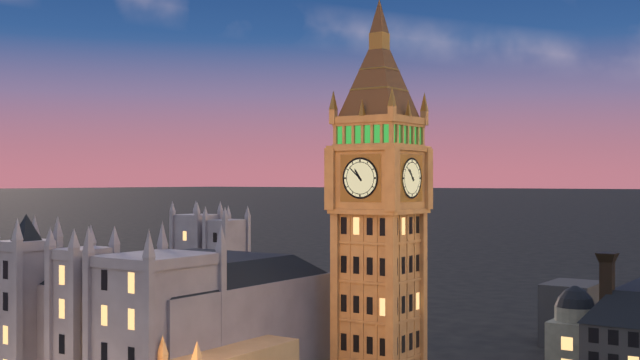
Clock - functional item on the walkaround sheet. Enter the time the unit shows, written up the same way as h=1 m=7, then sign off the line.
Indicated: h=10 m=52
